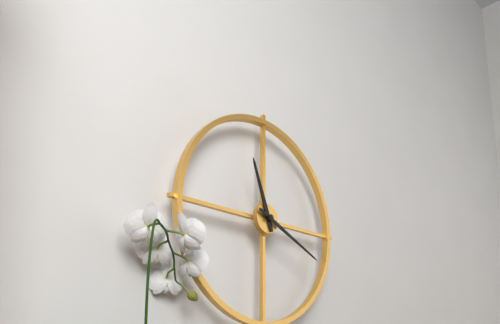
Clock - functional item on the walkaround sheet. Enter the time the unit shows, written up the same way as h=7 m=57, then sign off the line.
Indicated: h=11 m=19
